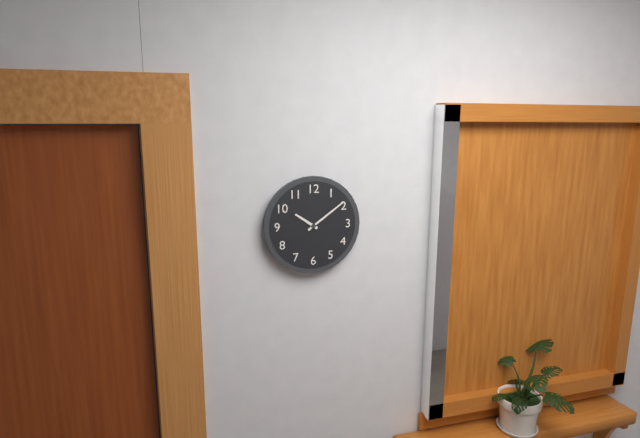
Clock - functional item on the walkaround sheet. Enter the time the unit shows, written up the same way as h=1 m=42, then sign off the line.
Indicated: h=10 m=9
